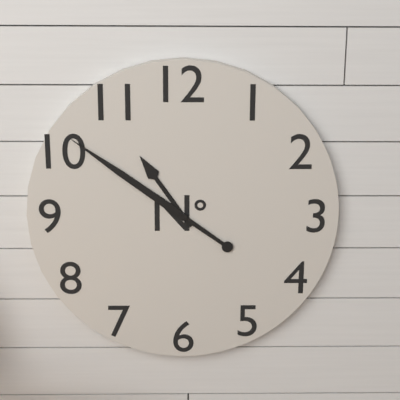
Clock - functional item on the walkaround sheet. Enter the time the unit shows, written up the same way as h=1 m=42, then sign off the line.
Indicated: h=10 m=51
